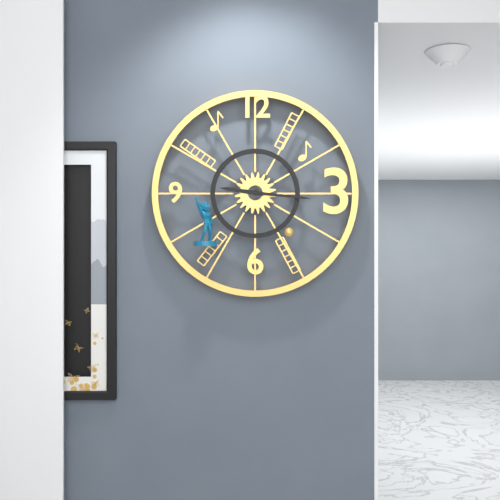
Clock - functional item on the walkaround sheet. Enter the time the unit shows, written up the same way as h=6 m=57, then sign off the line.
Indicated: h=9 m=16
